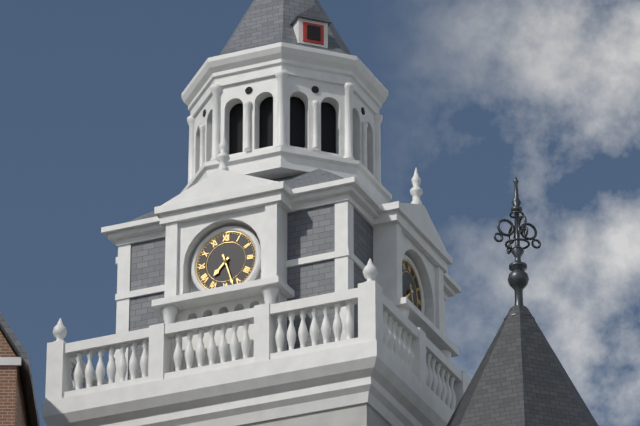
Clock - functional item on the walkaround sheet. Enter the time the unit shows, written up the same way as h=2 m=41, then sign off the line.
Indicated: h=7 m=27
